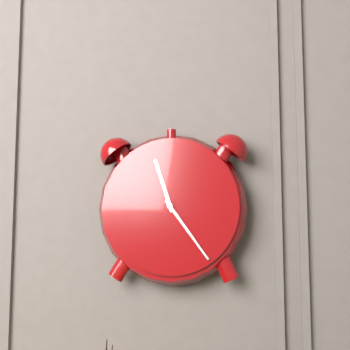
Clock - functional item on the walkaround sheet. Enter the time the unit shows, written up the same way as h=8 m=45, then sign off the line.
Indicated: h=11 m=24
